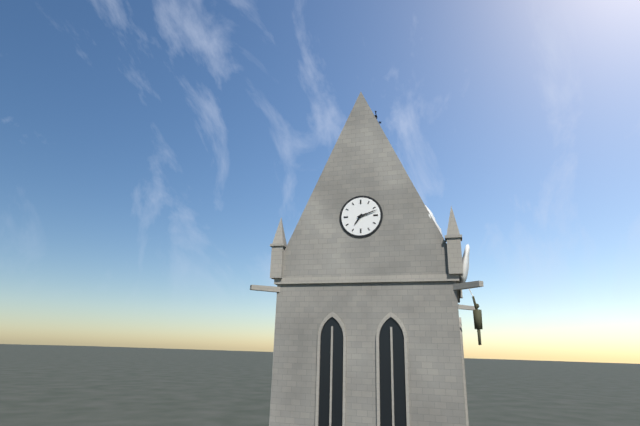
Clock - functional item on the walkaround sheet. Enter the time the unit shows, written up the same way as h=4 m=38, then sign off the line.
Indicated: h=7 m=12
